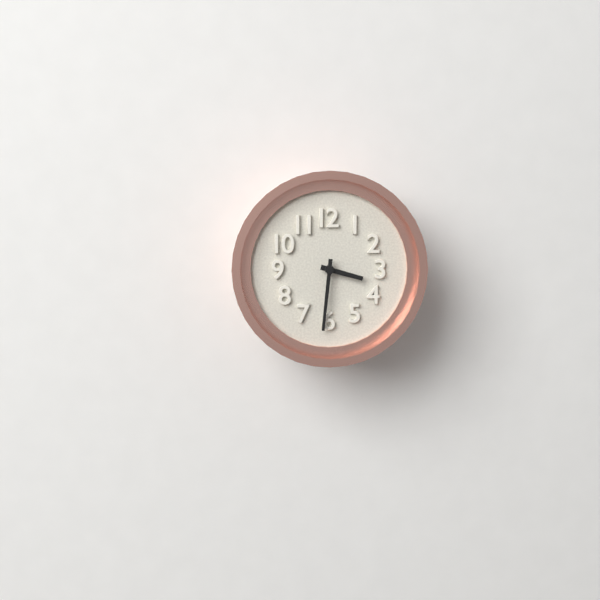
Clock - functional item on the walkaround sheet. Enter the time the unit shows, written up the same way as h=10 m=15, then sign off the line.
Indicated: h=3 m=31
